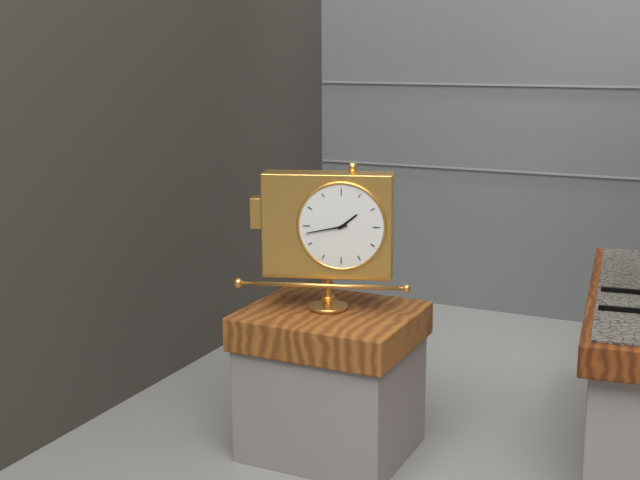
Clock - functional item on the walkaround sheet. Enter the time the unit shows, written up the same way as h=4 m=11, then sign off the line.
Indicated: h=1 m=43
